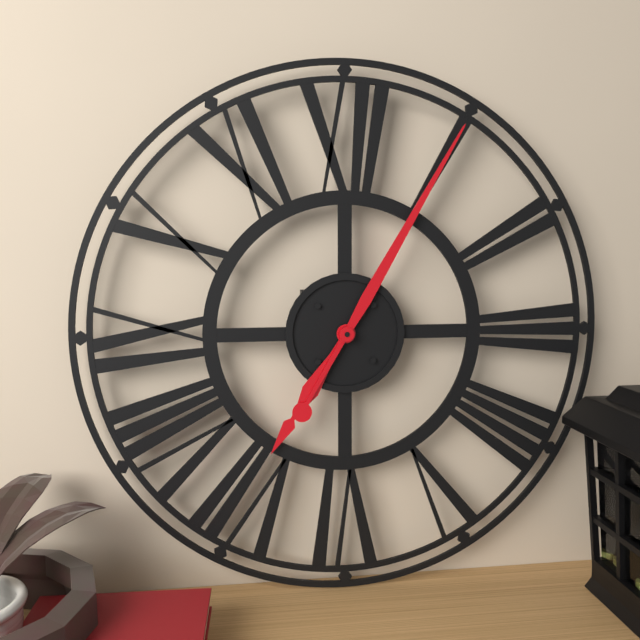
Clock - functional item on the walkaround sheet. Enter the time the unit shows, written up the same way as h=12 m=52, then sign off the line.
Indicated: h=7 m=5
